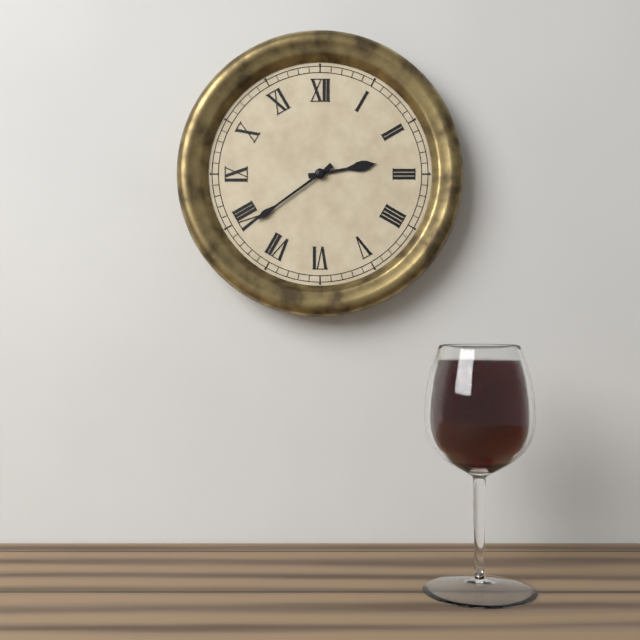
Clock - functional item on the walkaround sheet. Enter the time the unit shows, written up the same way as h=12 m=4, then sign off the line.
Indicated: h=2 m=39
